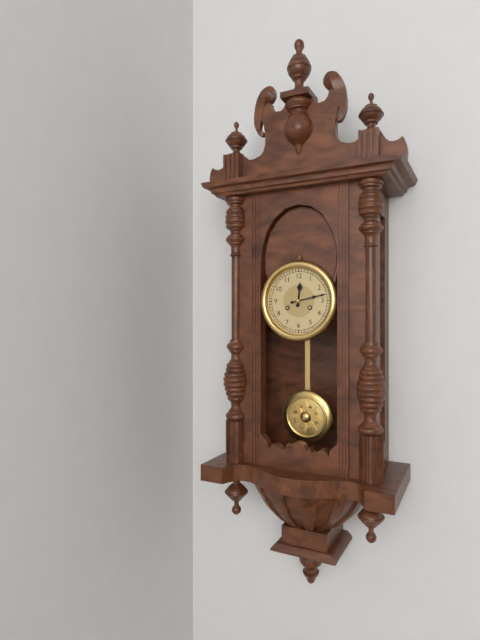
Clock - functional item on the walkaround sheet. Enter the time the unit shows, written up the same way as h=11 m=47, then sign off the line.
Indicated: h=12 m=13
